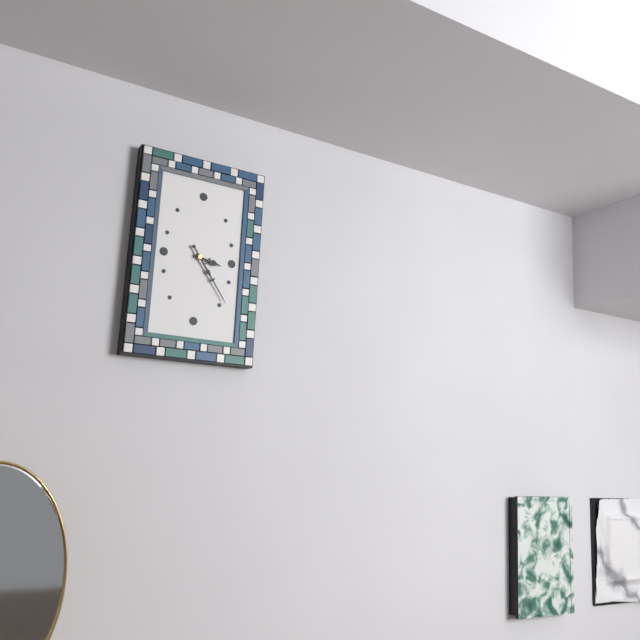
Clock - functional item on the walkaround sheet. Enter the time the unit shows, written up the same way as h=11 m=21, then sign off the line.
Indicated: h=3 m=24
